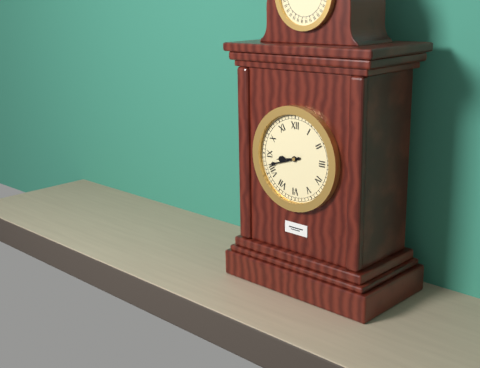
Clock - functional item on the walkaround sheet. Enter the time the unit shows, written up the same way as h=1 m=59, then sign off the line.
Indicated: h=8 m=42
